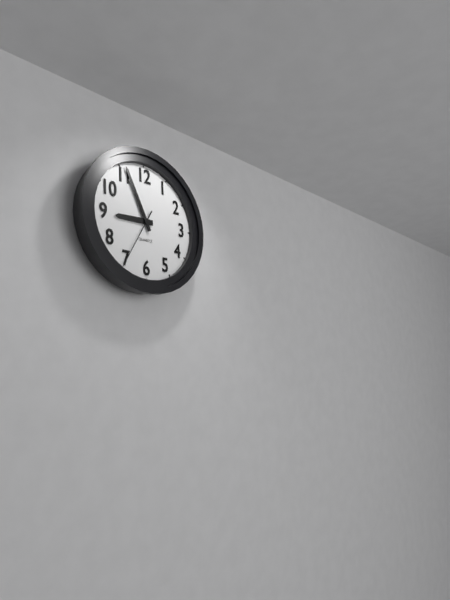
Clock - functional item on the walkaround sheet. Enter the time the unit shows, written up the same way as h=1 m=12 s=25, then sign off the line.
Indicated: h=8 m=56 s=35
